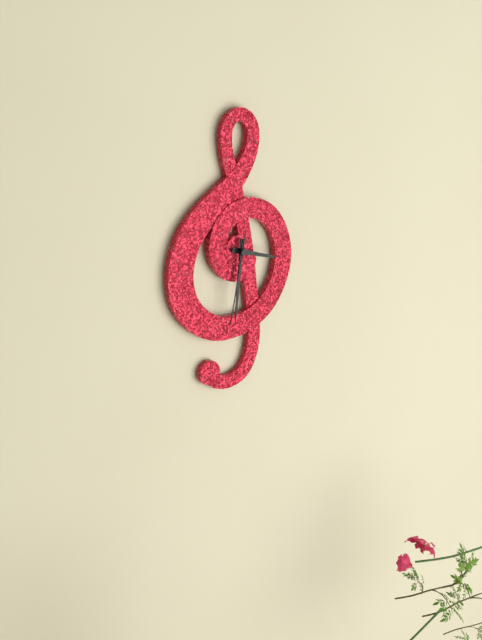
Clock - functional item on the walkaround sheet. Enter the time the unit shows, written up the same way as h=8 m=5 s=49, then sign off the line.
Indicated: h=3 m=31 s=32
